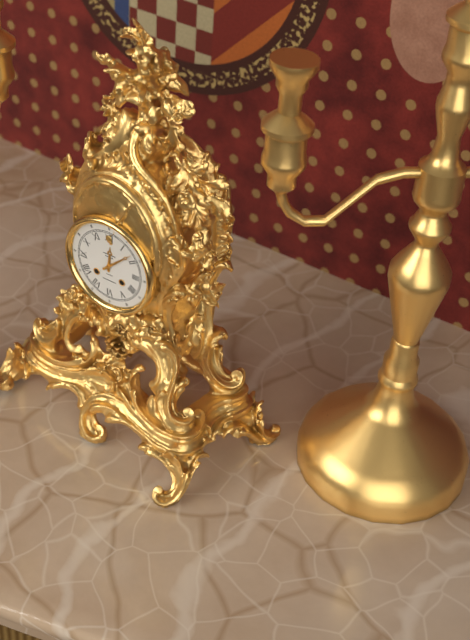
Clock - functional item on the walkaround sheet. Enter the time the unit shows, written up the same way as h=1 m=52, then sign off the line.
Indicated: h=12 m=8
